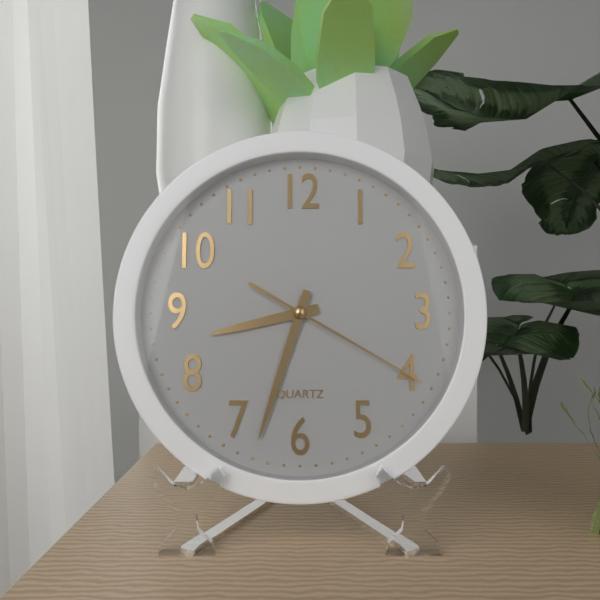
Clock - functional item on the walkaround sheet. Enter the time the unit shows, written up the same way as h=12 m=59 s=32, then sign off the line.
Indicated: h=8 m=33 s=20
